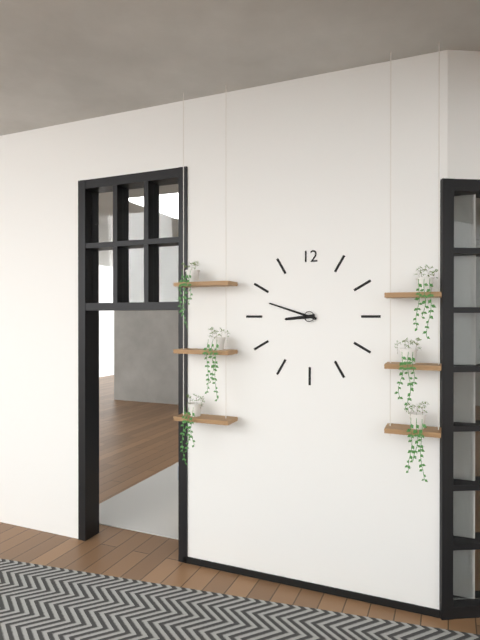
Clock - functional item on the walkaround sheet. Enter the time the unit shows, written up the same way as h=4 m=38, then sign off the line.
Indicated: h=8 m=48
